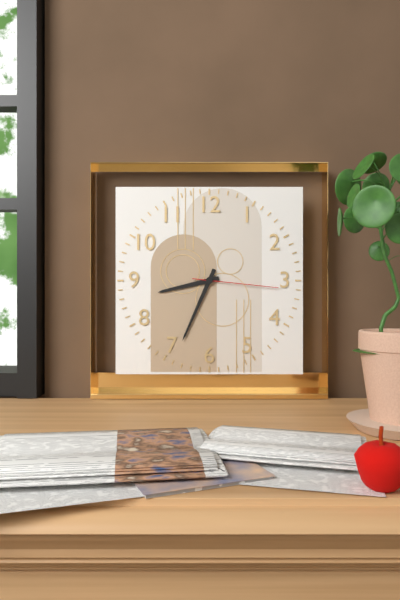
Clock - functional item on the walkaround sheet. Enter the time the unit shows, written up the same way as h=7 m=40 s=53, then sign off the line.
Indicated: h=8 m=34 s=16
